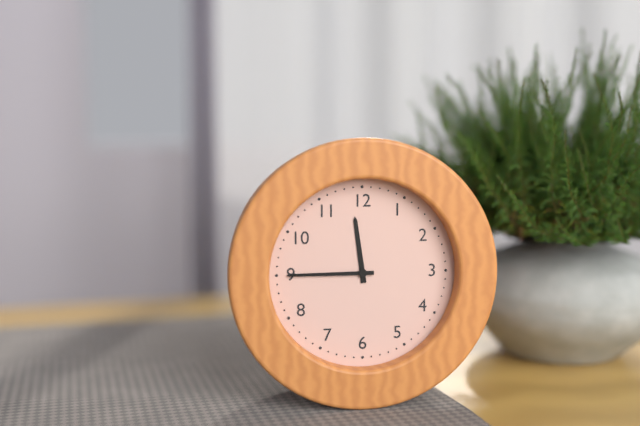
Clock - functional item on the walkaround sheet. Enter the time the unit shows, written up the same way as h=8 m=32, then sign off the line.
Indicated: h=11 m=45
